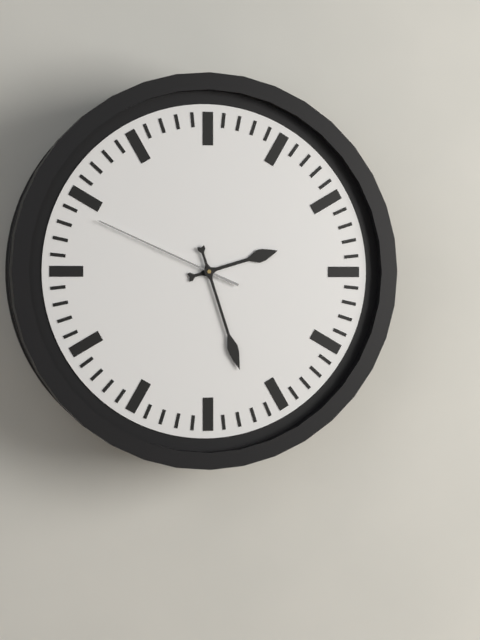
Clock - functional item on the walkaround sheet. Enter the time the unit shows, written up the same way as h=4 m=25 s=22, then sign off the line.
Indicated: h=2 m=27 s=49
